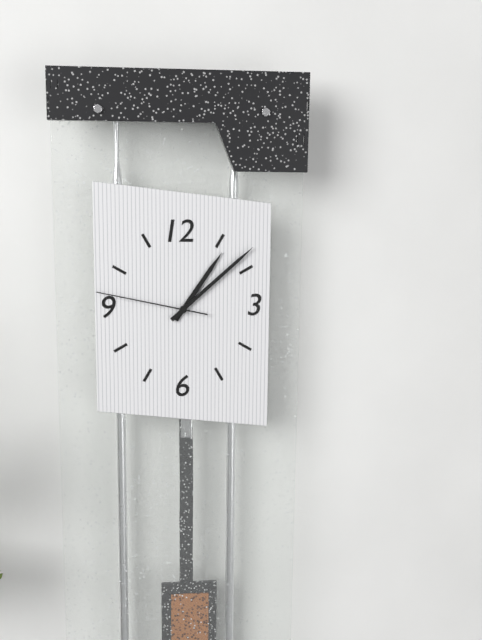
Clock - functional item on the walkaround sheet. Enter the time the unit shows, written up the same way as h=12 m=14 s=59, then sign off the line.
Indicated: h=1 m=8 s=47
